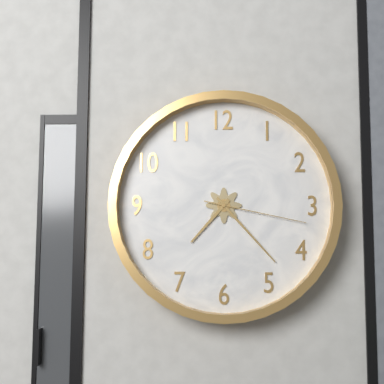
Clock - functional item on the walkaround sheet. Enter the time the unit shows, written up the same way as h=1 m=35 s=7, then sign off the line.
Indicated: h=7 m=23 s=17
